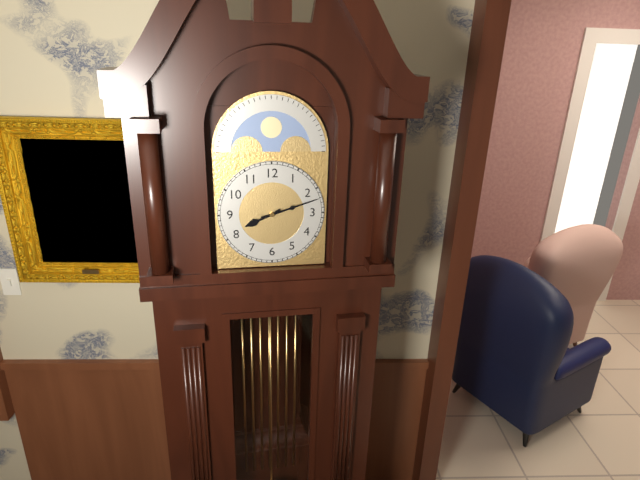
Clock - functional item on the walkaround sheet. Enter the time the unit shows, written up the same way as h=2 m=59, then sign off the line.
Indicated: h=8 m=12
